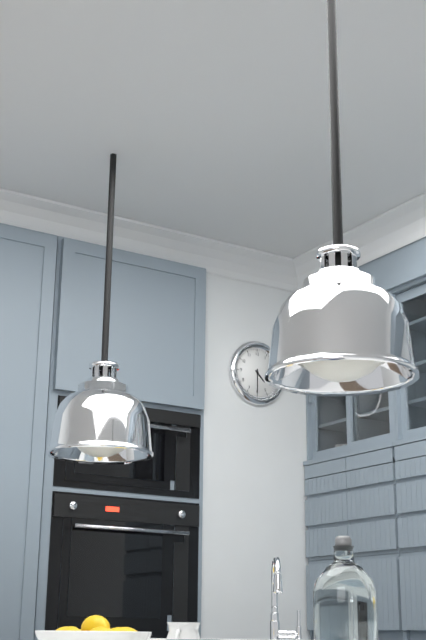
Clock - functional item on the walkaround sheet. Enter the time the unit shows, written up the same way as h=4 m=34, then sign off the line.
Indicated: h=4 m=30
